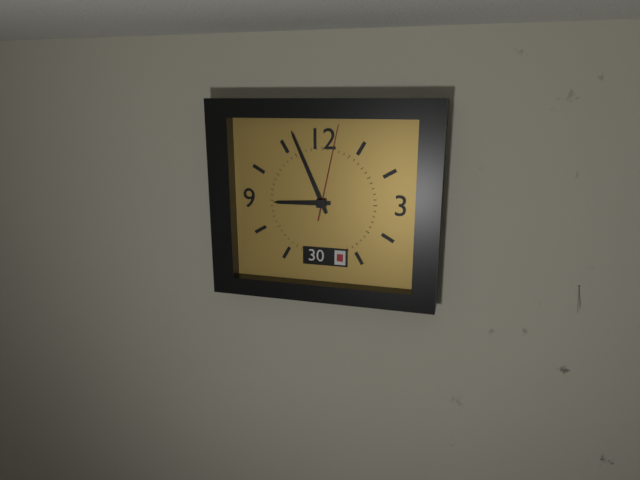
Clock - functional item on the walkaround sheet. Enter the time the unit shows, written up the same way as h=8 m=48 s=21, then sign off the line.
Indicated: h=8 m=56 s=2
